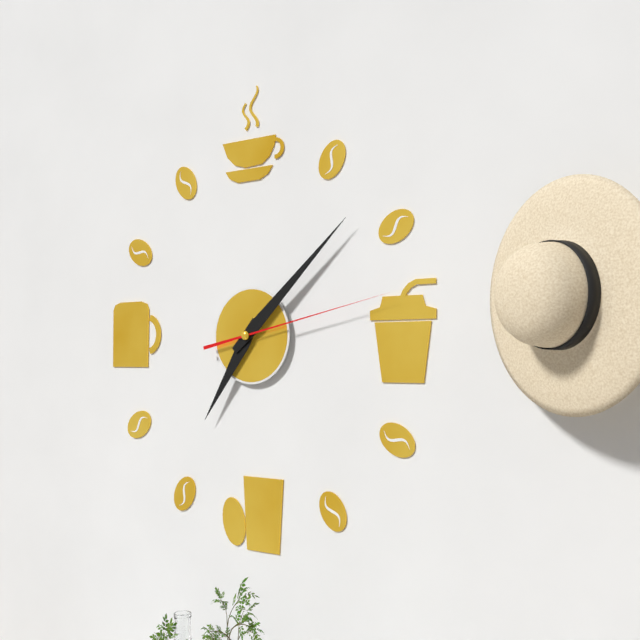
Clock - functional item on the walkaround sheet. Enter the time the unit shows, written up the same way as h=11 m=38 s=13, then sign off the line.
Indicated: h=7 m=8 s=13
